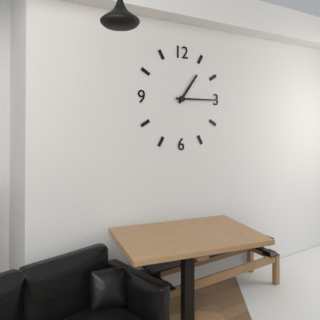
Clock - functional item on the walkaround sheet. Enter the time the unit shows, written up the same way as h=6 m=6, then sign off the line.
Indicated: h=1 m=15
